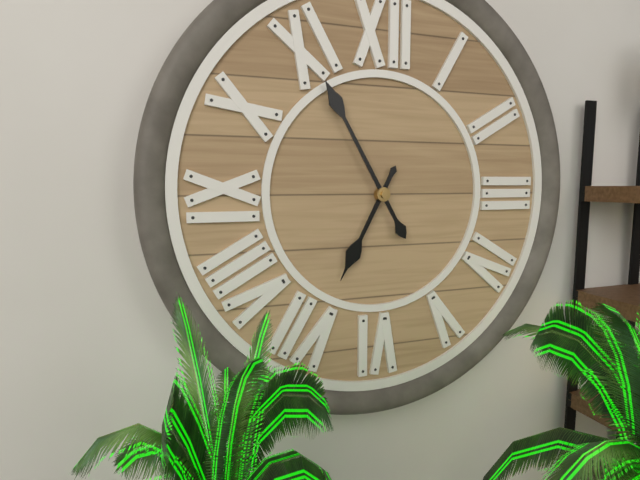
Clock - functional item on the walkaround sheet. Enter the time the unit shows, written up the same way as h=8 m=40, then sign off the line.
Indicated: h=6 m=55
